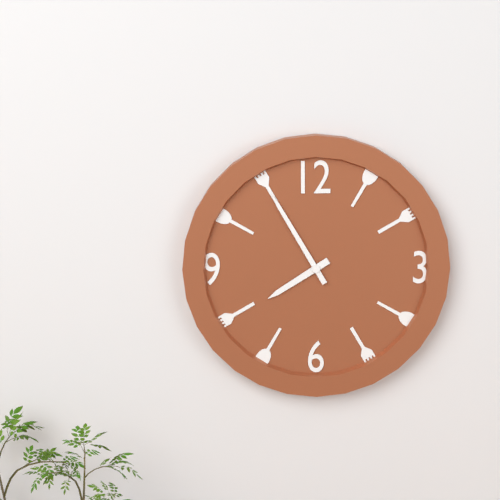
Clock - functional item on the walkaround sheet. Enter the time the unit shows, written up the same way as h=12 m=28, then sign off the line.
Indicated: h=7 m=55
